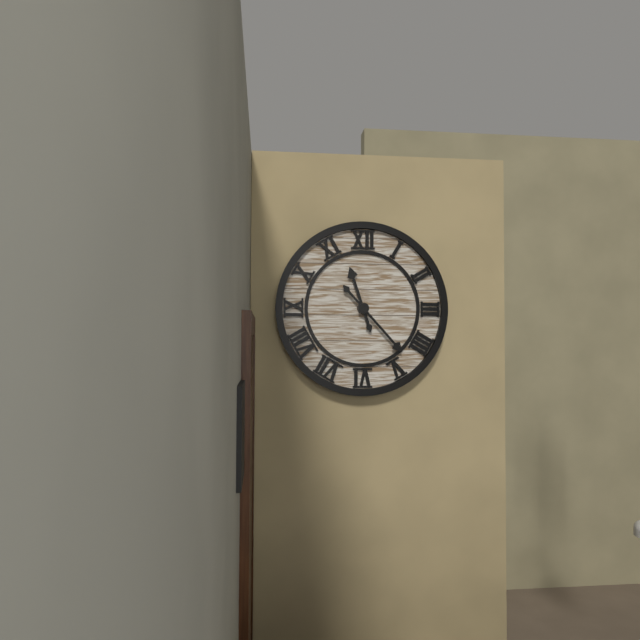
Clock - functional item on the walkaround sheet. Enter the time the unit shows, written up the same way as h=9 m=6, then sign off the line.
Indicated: h=11 m=23
